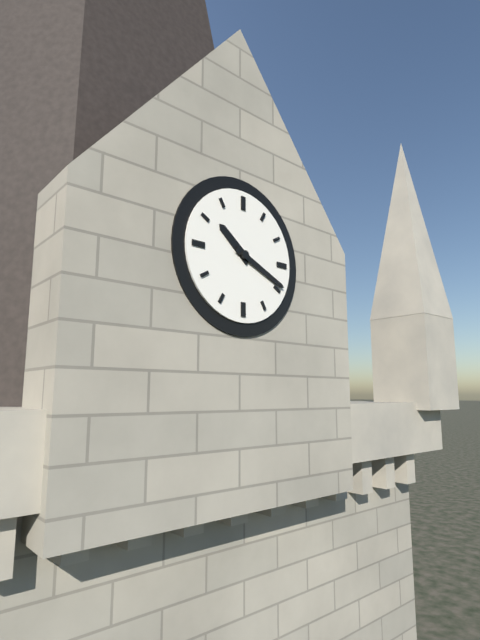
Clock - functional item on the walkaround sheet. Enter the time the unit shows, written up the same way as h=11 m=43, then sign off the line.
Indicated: h=10 m=19
